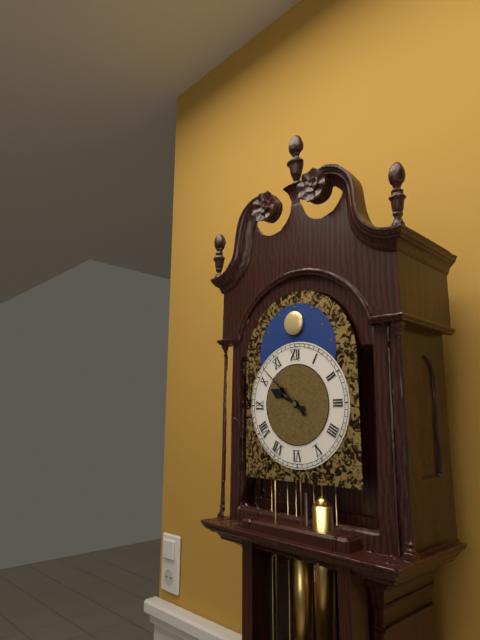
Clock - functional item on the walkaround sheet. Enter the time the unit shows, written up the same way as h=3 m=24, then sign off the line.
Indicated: h=9 m=52
